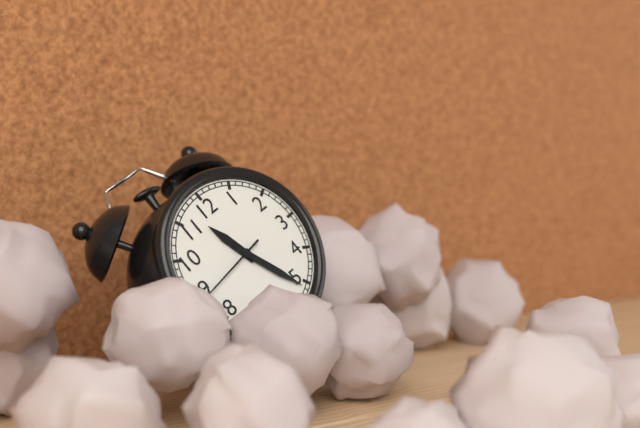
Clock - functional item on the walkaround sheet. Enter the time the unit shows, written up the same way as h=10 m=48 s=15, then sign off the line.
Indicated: h=11 m=26 s=44
